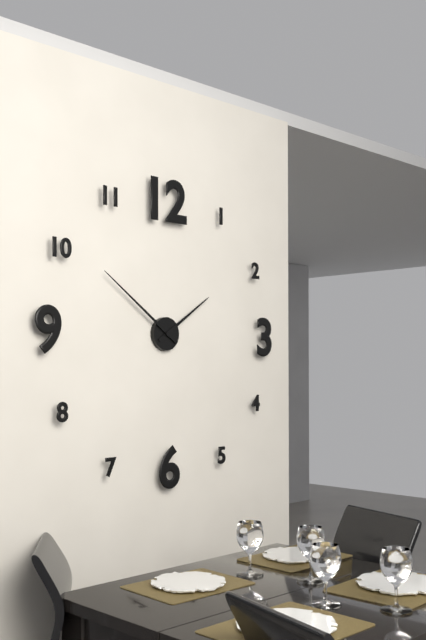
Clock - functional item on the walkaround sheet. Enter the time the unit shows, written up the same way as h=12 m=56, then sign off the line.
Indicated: h=1 m=51
